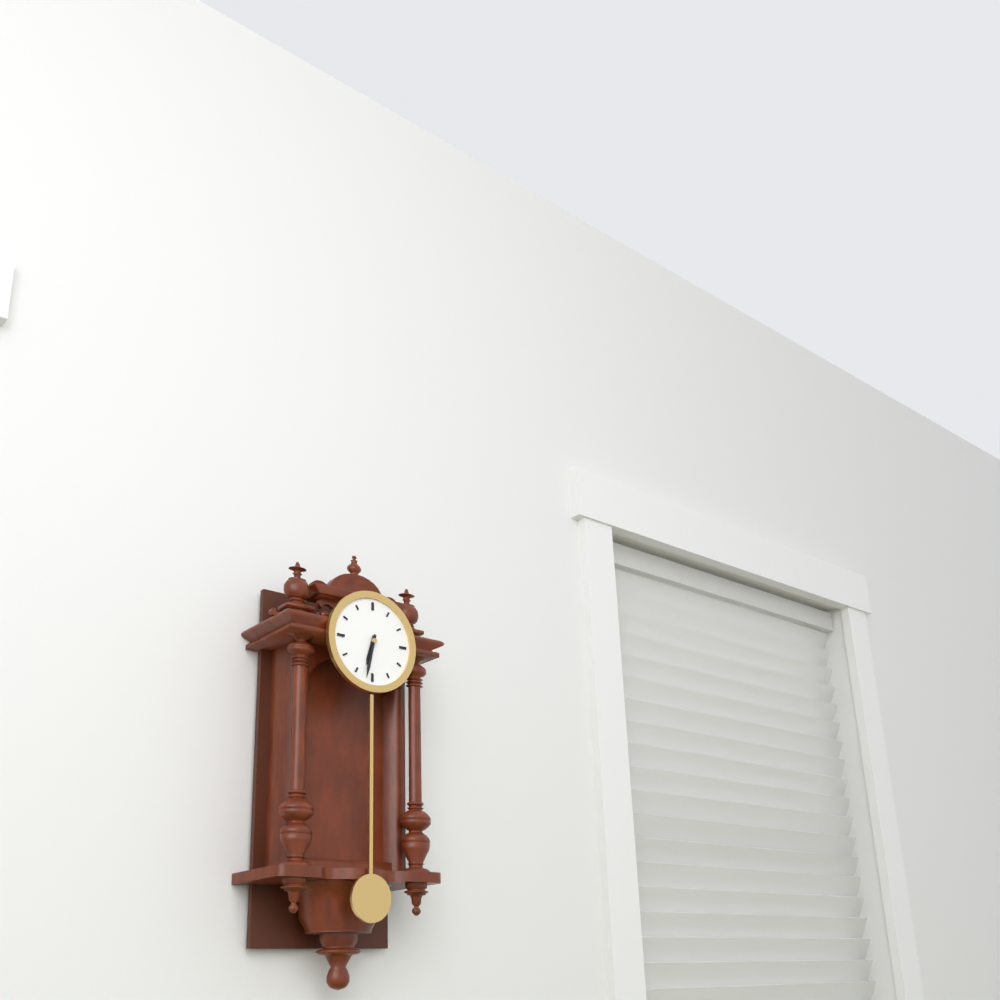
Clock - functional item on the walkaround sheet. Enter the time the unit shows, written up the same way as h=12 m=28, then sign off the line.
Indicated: h=6 m=32
